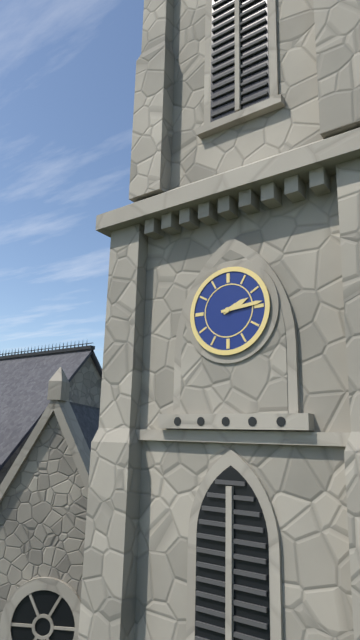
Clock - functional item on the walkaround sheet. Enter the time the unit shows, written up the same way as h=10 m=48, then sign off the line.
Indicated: h=2 m=14
